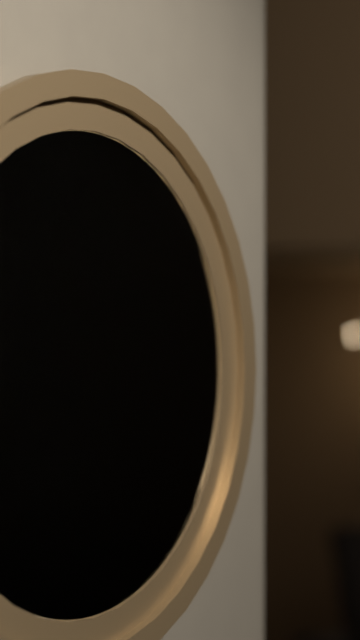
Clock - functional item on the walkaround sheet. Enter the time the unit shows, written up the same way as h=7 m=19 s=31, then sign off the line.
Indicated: h=1 m=57 s=23
